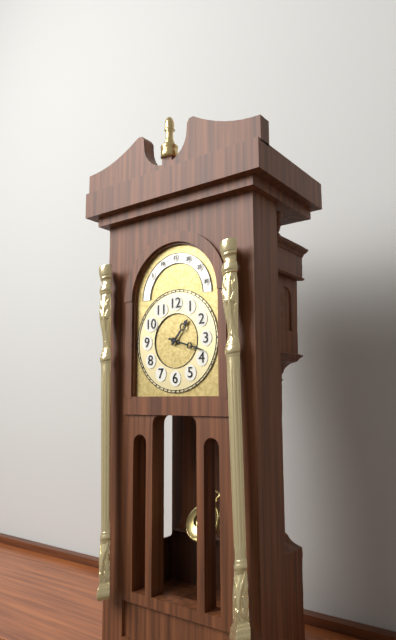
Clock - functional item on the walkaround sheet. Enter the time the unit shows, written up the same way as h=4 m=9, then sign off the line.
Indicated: h=1 m=18
